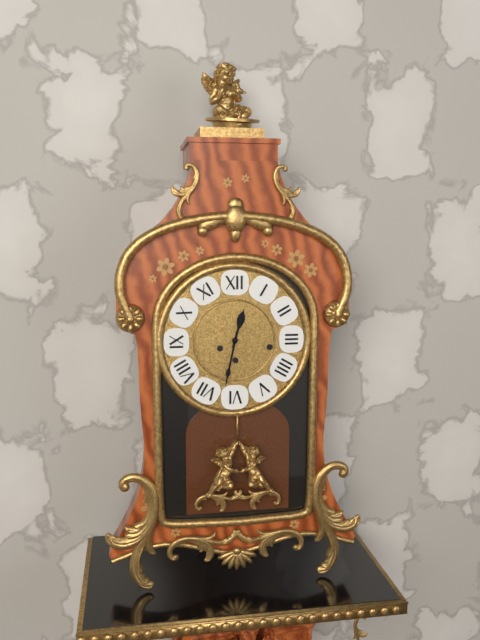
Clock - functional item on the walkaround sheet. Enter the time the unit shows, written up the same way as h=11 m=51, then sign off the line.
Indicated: h=12 m=32
